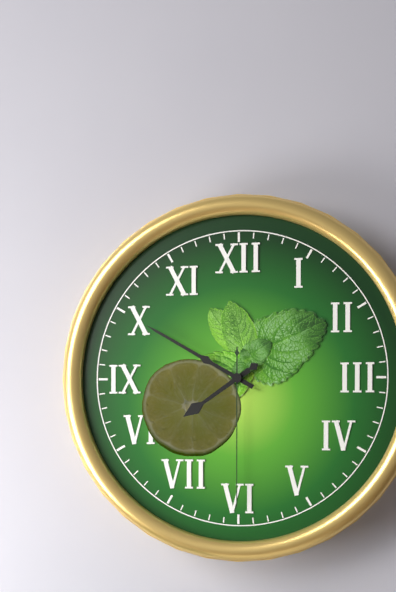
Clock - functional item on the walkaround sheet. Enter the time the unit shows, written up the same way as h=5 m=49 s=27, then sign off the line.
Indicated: h=7 m=50 s=30
